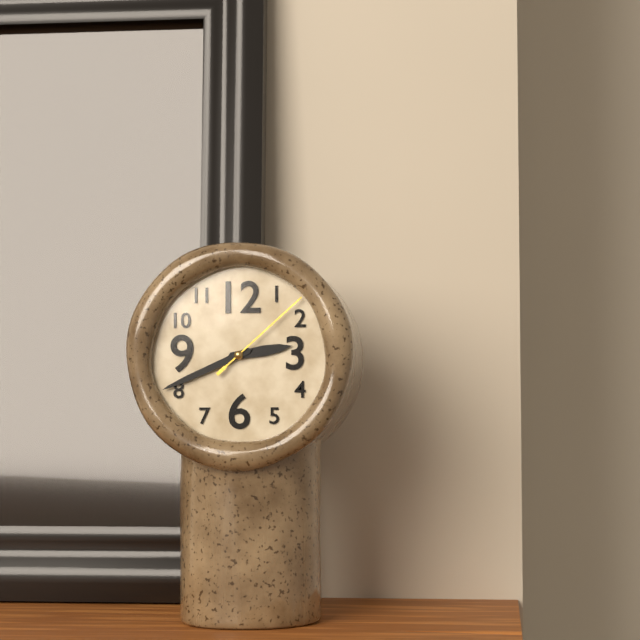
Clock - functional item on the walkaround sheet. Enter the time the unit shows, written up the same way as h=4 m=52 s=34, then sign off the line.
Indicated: h=2 m=41 s=8
